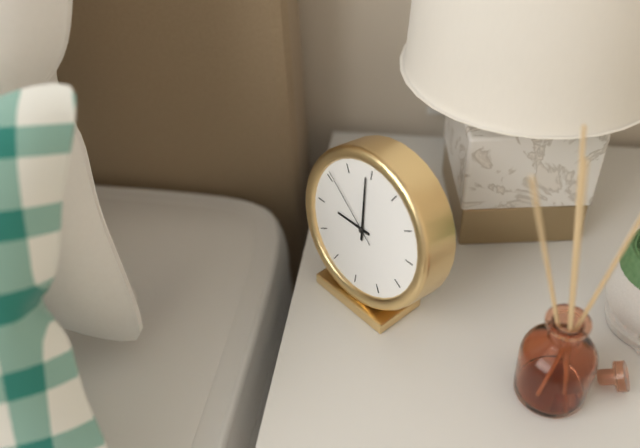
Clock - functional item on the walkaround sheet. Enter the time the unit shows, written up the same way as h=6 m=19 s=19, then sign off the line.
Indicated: h=8 m=59 s=51
